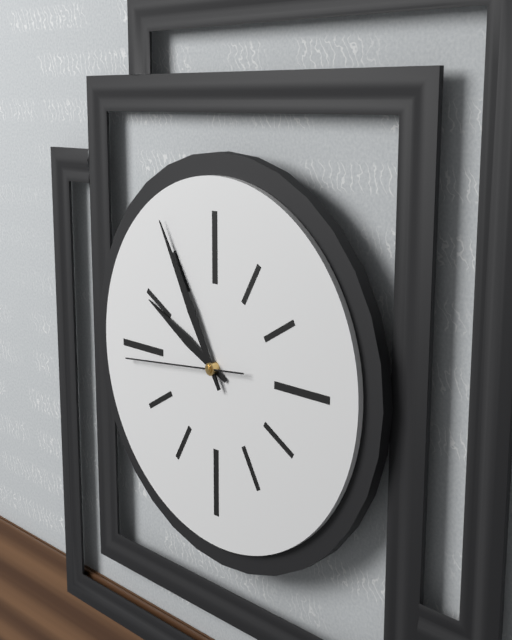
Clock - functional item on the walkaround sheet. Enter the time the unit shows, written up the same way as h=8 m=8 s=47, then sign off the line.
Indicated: h=9 m=55 s=44
